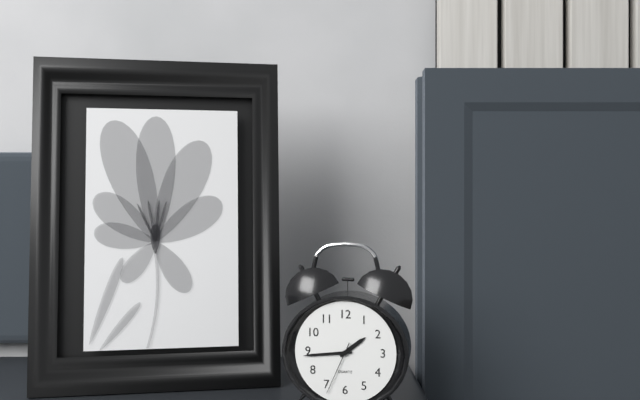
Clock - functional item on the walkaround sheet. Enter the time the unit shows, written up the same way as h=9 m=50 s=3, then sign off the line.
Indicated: h=1 m=44 s=34
